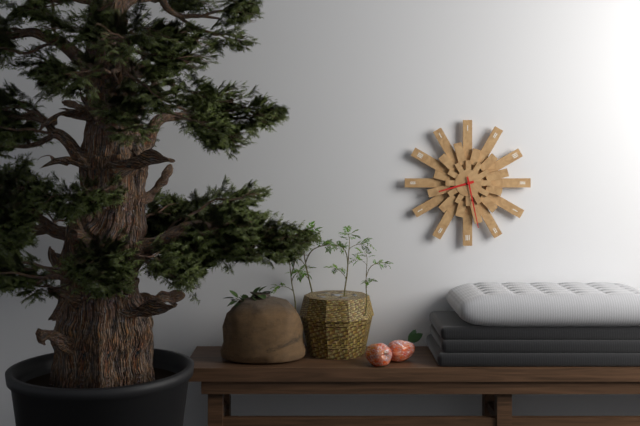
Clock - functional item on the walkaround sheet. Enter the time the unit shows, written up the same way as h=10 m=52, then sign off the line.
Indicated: h=8 m=28
